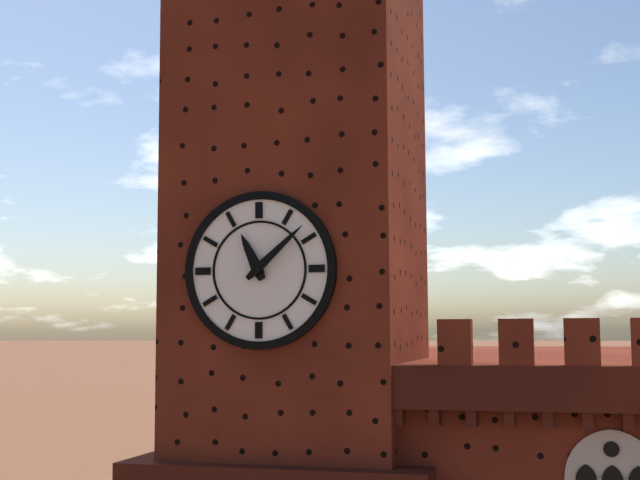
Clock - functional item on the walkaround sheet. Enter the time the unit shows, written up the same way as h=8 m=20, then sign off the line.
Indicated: h=11 m=8
